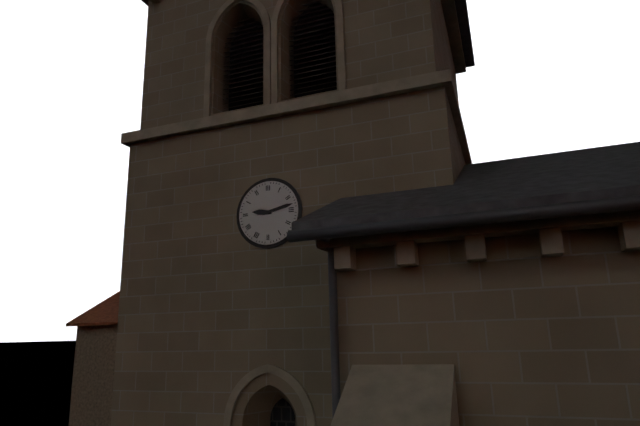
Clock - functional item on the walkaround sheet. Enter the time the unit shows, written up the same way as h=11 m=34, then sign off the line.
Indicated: h=9 m=13
